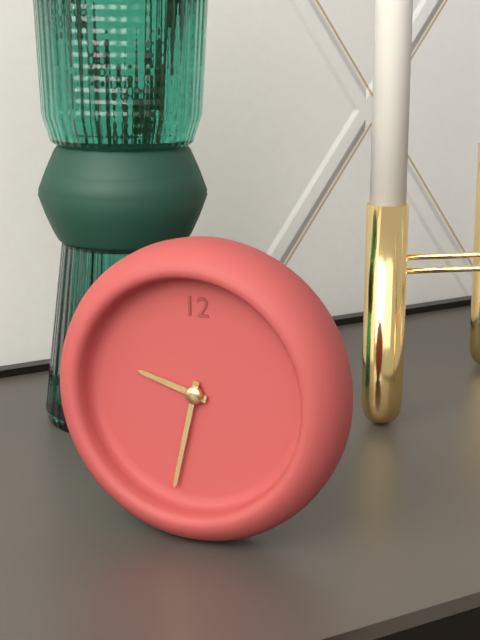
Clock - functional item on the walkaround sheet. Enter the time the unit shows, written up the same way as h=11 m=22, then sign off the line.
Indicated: h=9 m=32
